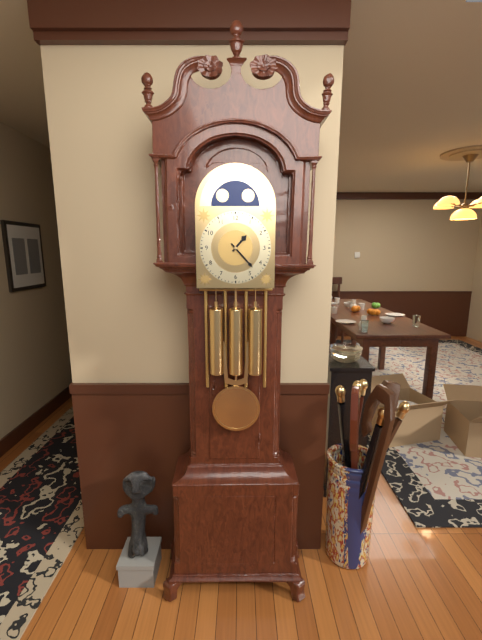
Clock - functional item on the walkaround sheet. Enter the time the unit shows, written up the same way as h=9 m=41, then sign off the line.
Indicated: h=1 m=23
